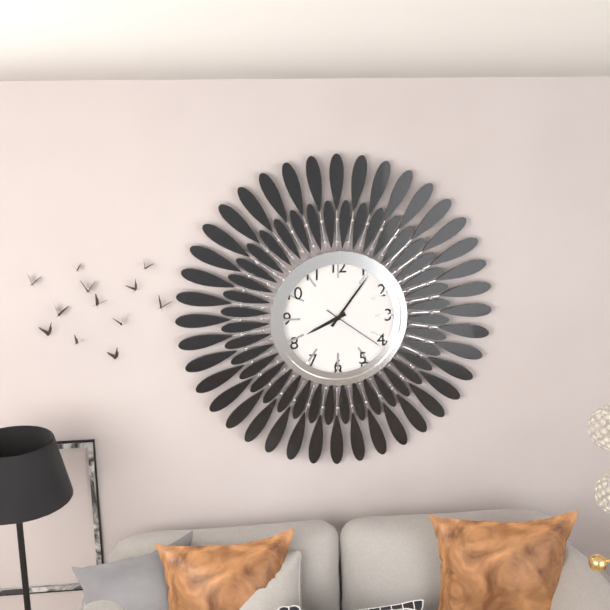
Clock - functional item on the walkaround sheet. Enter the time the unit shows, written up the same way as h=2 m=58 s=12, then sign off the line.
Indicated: h=8 m=6 s=21
